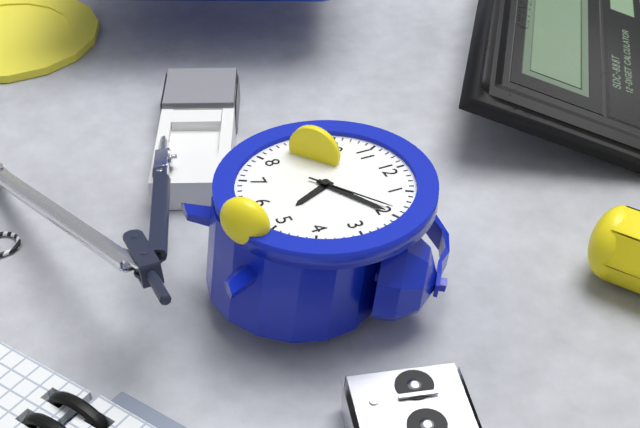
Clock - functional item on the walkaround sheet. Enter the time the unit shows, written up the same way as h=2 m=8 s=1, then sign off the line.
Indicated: h=5 m=10 s=9
